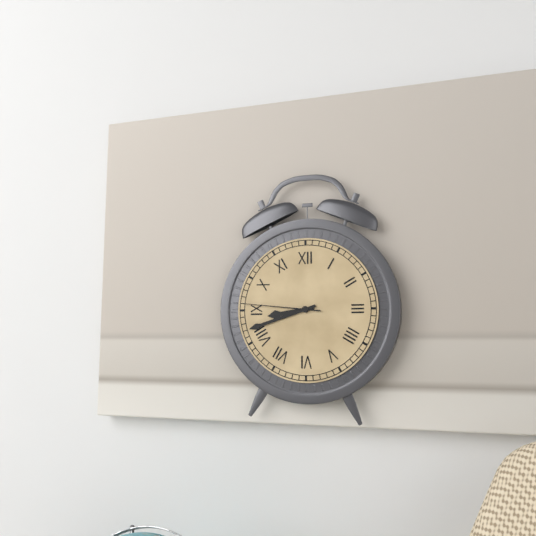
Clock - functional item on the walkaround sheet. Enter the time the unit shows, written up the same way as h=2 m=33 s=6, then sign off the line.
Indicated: h=8 m=42 s=46
